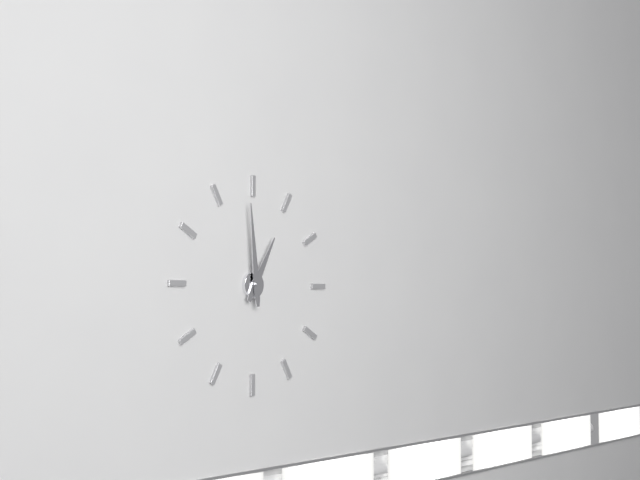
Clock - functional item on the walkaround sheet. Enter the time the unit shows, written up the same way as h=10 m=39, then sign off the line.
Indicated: h=12 m=59
